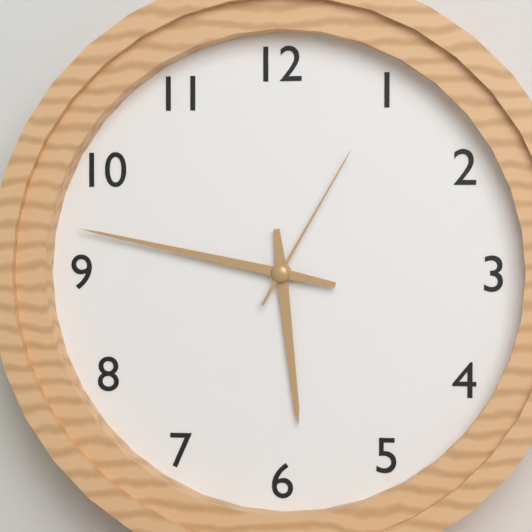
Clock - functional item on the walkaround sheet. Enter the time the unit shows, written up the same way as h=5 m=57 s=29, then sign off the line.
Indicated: h=5 m=47 s=5
